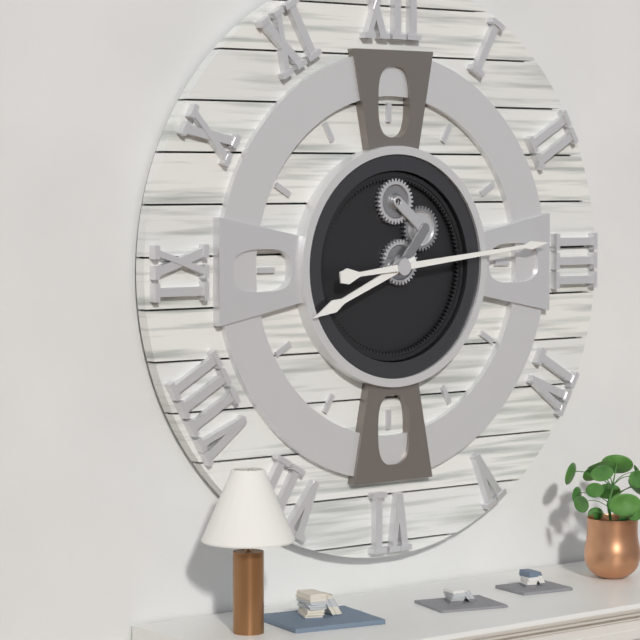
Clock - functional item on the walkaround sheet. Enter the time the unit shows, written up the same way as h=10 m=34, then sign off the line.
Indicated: h=8 m=14
